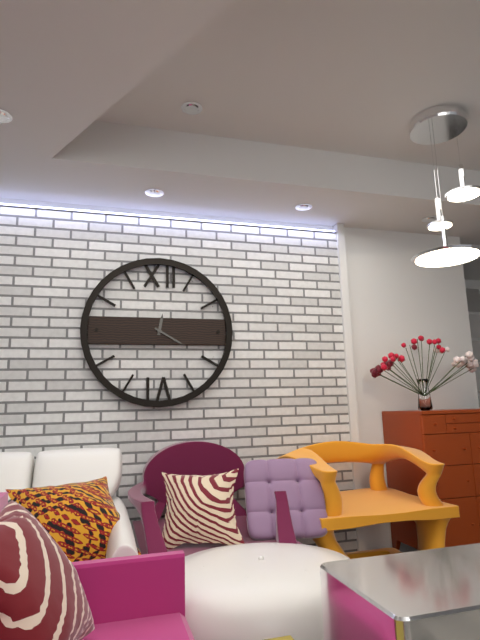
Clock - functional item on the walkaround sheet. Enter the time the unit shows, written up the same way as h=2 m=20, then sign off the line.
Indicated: h=12 m=20
